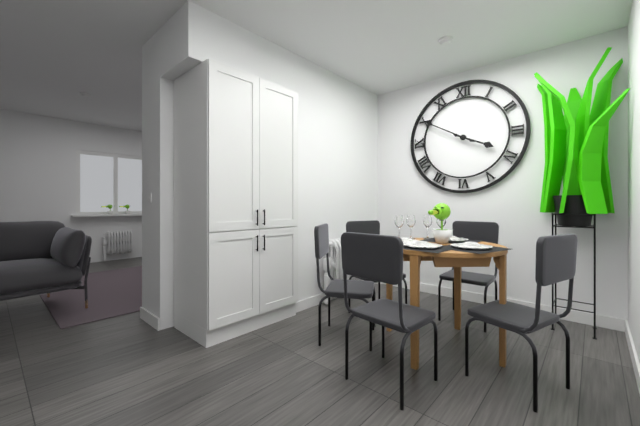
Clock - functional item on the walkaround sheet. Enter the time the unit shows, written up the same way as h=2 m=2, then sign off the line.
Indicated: h=3 m=50
